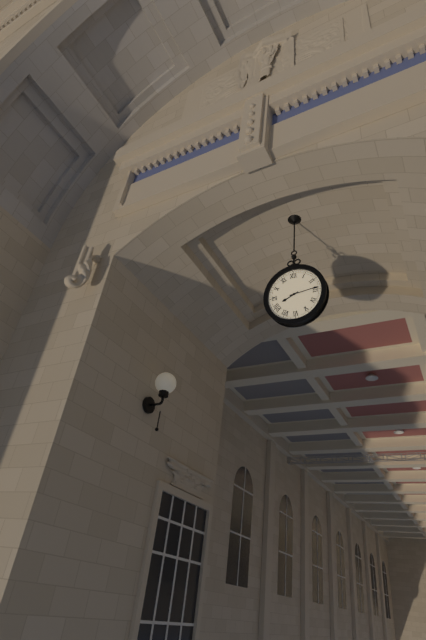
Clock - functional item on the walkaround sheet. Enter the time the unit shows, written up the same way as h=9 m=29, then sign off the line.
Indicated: h=8 m=14
